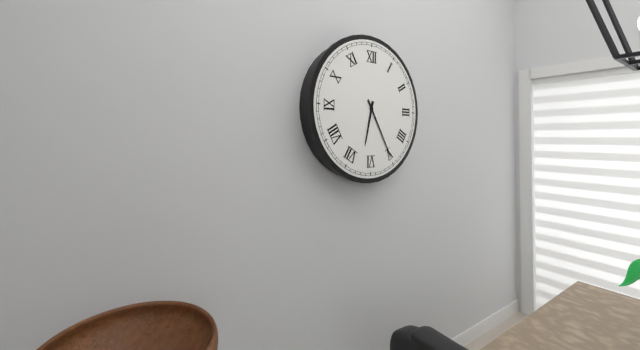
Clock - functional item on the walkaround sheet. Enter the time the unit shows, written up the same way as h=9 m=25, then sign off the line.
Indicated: h=6 m=25
